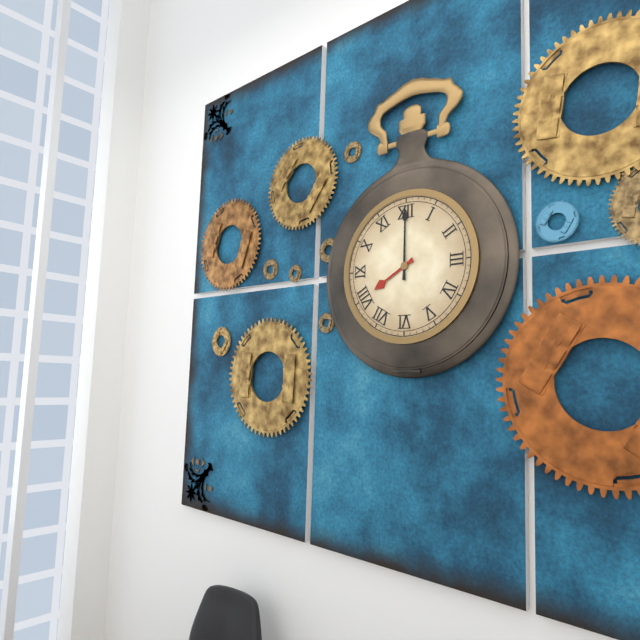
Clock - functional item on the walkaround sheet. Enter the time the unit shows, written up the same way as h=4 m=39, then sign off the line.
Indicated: h=8 m=0
